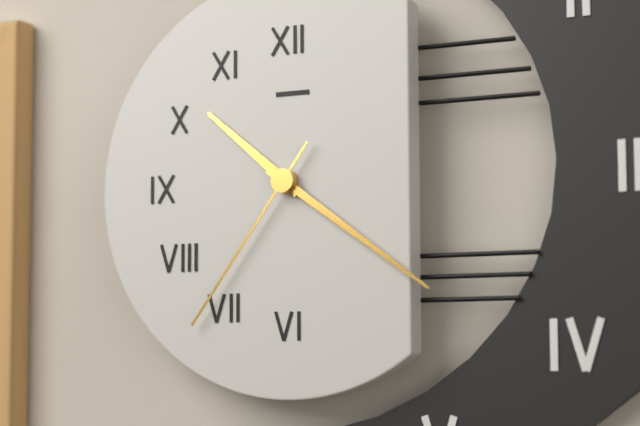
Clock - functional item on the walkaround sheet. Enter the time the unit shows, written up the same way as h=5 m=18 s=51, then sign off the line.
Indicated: h=10 m=21 s=36
